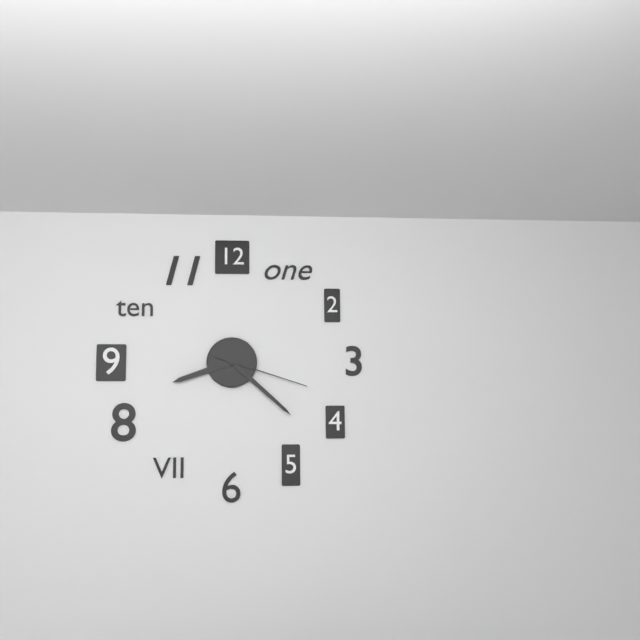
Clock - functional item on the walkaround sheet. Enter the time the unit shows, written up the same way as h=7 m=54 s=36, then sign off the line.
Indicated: h=8 m=22 s=18
